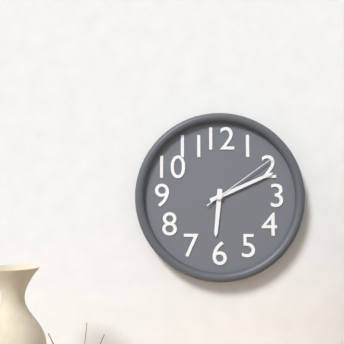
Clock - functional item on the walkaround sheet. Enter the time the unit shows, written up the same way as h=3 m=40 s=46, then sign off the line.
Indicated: h=6 m=11 s=9
